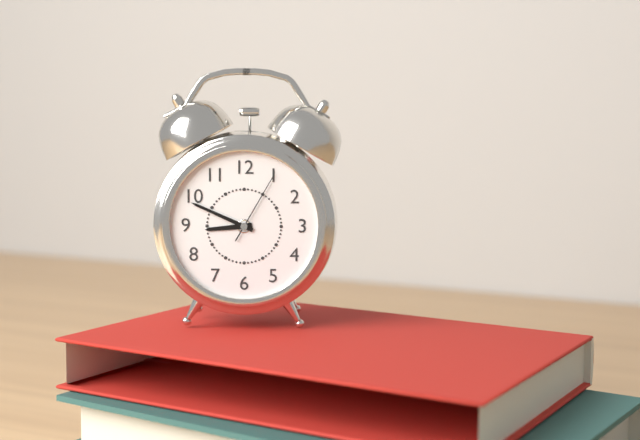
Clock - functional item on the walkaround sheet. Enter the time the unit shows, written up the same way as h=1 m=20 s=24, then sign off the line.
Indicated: h=8 m=49 s=5
